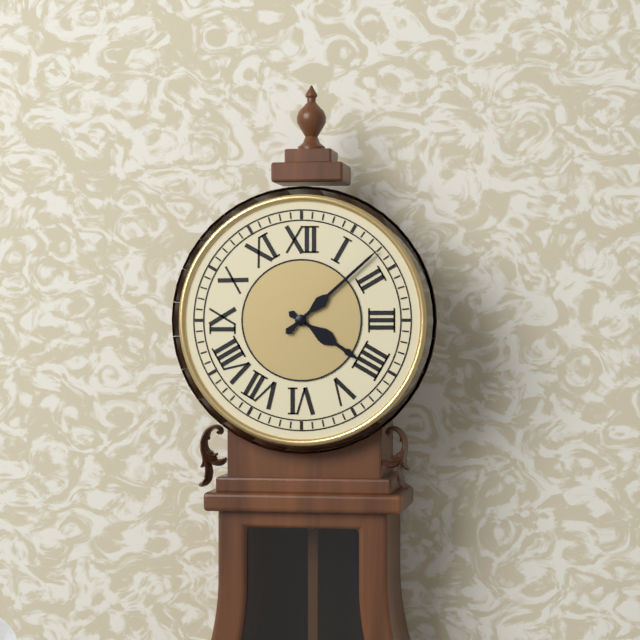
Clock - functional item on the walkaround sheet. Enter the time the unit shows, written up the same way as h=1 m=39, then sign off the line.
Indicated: h=4 m=8
